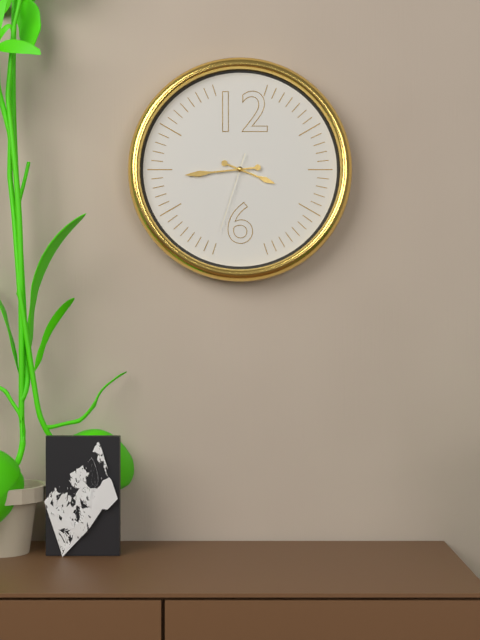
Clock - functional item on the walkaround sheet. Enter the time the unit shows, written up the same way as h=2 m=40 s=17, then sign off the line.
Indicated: h=3 m=44 s=33
